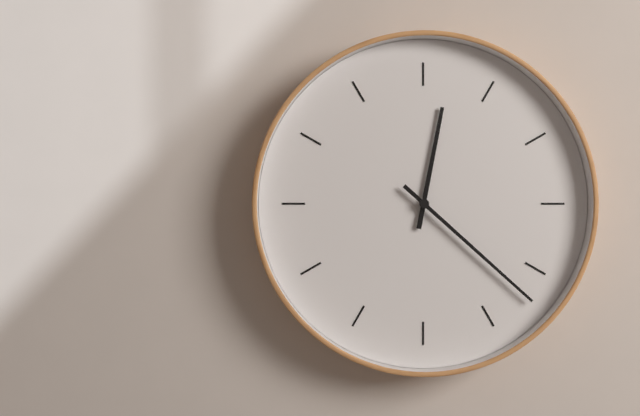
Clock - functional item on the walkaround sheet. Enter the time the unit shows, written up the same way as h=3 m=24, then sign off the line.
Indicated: h=12 m=22
